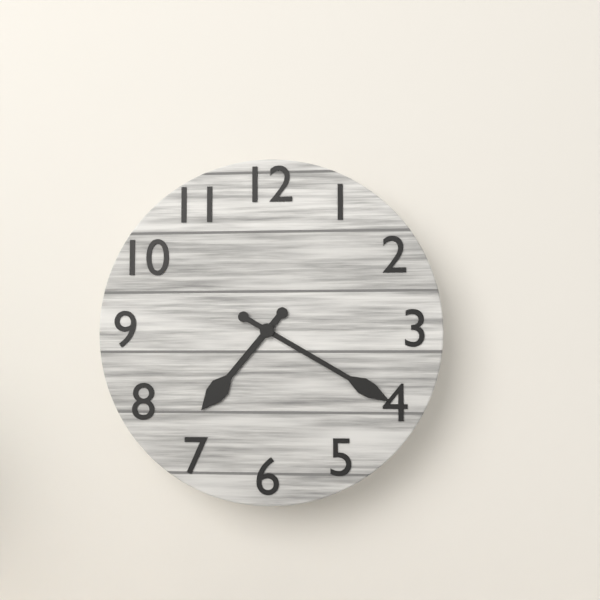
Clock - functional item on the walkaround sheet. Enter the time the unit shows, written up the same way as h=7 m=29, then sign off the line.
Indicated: h=7 m=20
